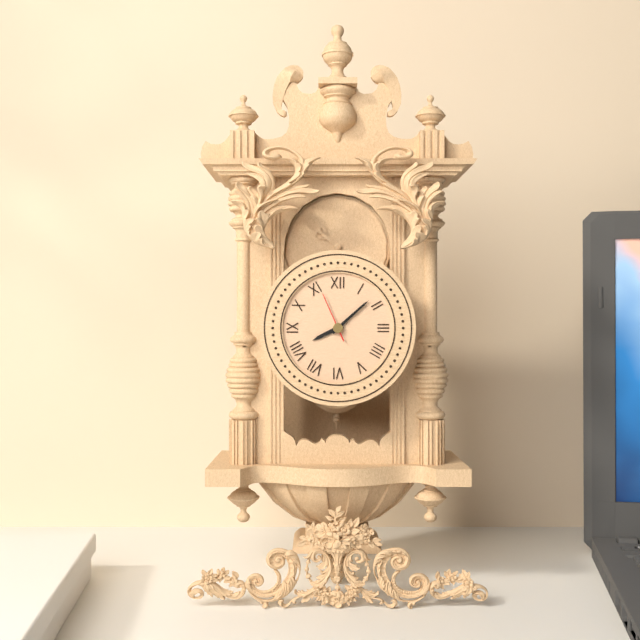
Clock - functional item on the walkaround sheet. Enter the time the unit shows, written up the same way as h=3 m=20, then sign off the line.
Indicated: h=8 m=8
